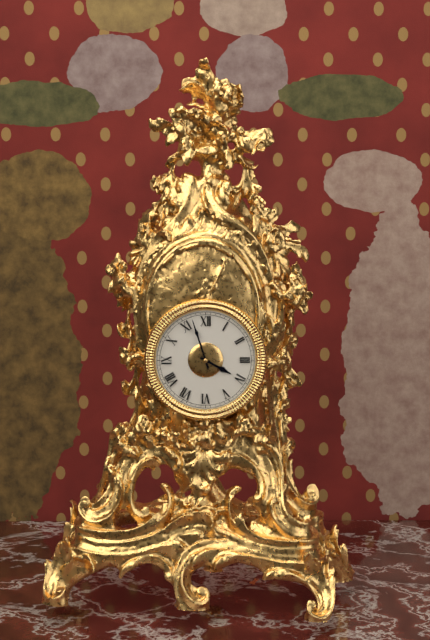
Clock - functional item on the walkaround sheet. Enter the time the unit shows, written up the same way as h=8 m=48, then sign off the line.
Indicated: h=3 m=57
